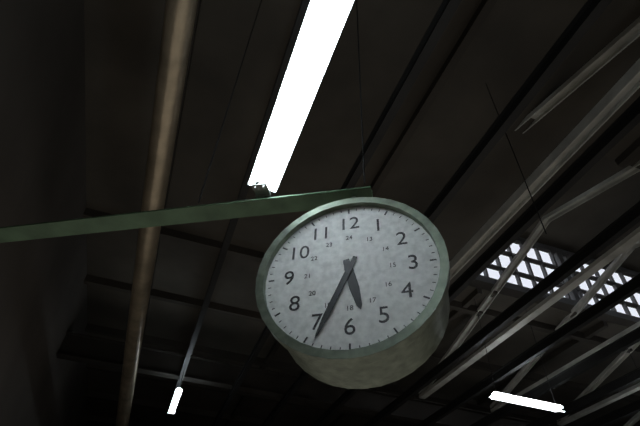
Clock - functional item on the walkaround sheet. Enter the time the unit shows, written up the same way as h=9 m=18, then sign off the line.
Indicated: h=5 m=34
